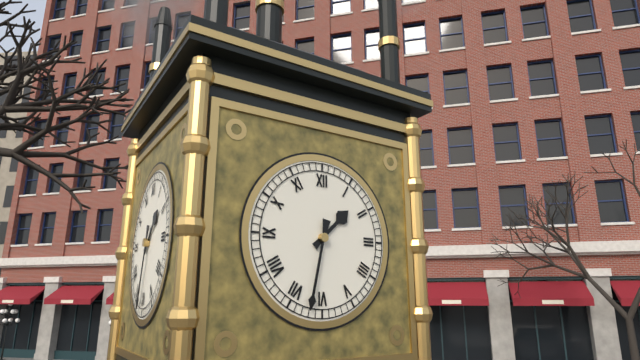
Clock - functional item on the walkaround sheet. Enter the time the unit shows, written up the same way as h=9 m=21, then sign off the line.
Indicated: h=1 m=32
